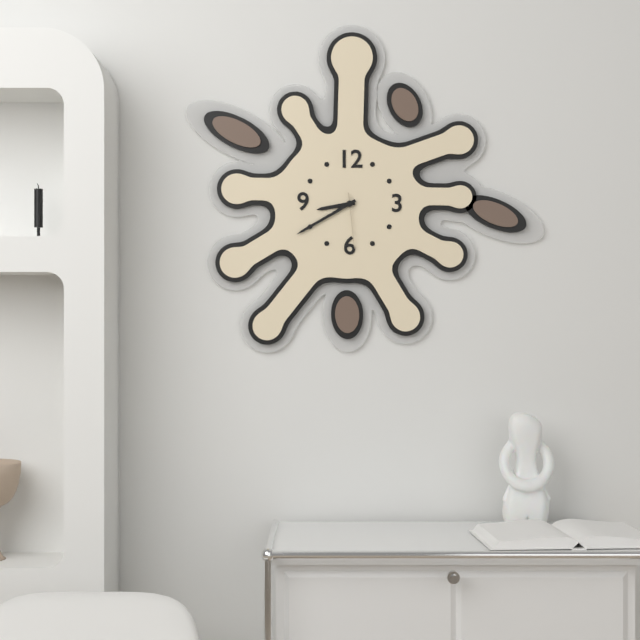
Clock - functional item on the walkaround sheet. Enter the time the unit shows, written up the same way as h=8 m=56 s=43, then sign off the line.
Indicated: h=8 m=40 s=29
